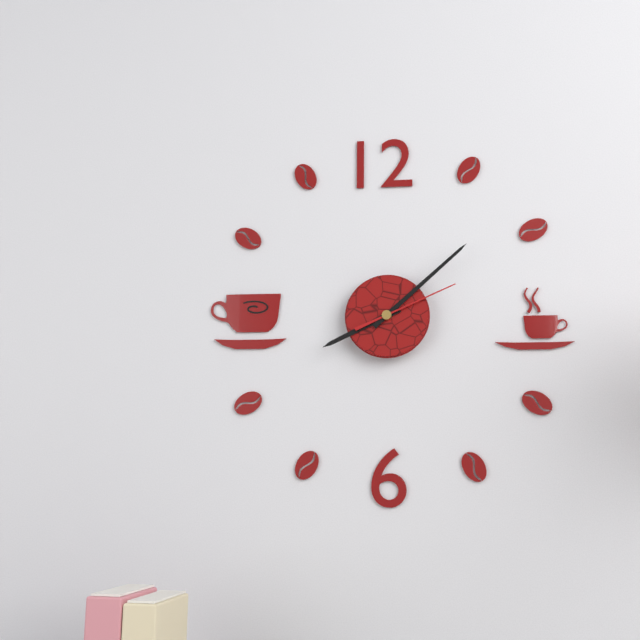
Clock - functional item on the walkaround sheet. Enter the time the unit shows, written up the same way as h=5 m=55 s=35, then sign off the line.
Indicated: h=8 m=8 s=11
